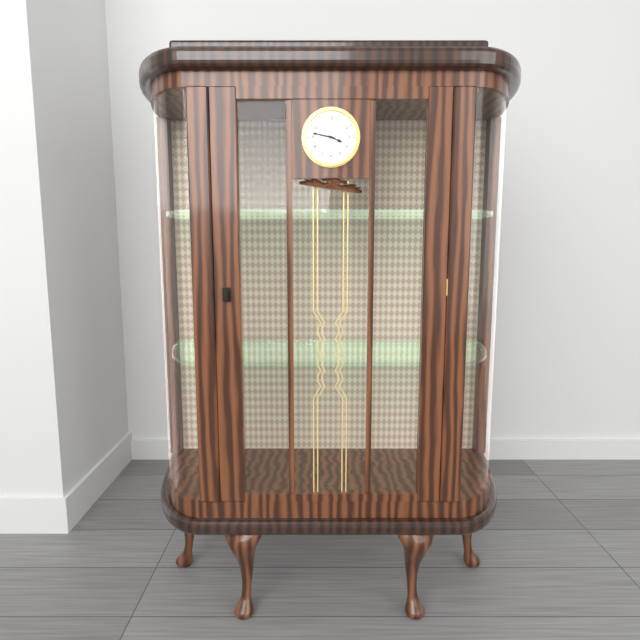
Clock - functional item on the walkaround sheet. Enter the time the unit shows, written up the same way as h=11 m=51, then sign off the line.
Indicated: h=3 m=47
